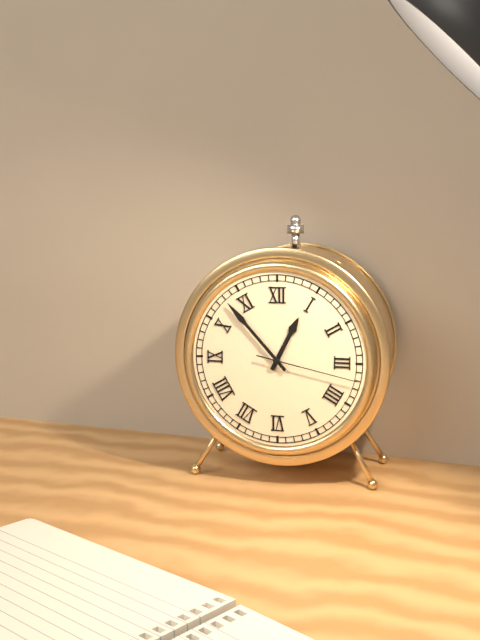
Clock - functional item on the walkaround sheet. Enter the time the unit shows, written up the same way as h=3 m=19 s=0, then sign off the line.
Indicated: h=12 m=53 s=17
